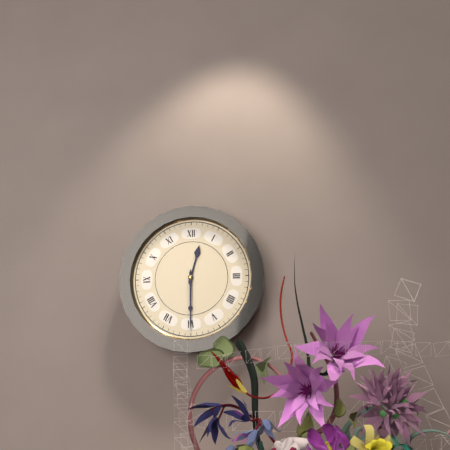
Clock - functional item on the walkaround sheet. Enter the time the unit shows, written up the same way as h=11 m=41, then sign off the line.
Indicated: h=12 m=30
